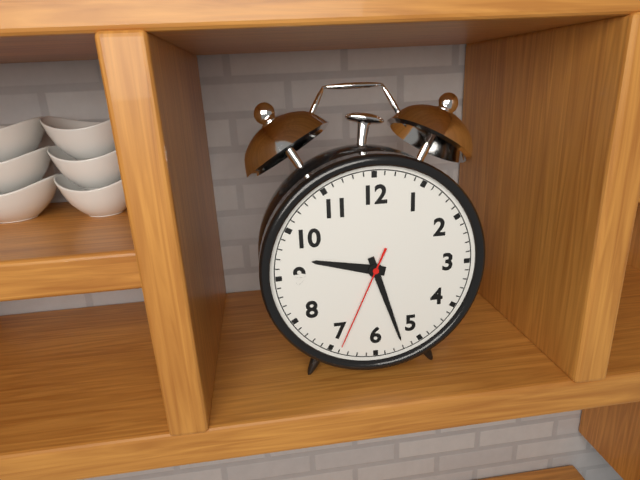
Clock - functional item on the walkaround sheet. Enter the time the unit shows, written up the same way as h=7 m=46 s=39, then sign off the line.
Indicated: h=9 m=27 s=34
